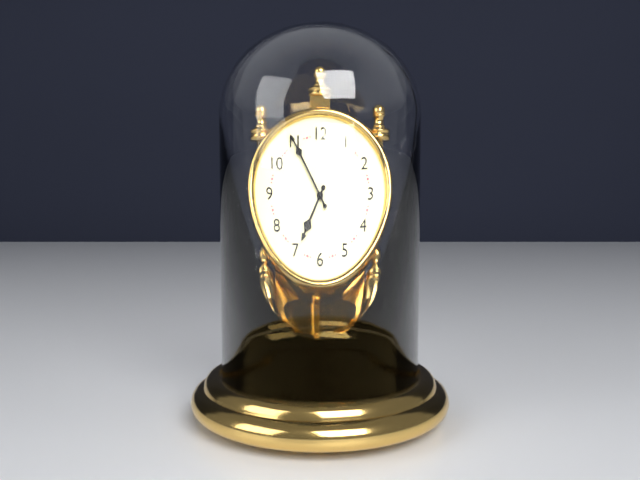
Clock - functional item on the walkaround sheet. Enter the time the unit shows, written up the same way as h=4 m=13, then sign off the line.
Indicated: h=6 m=55
